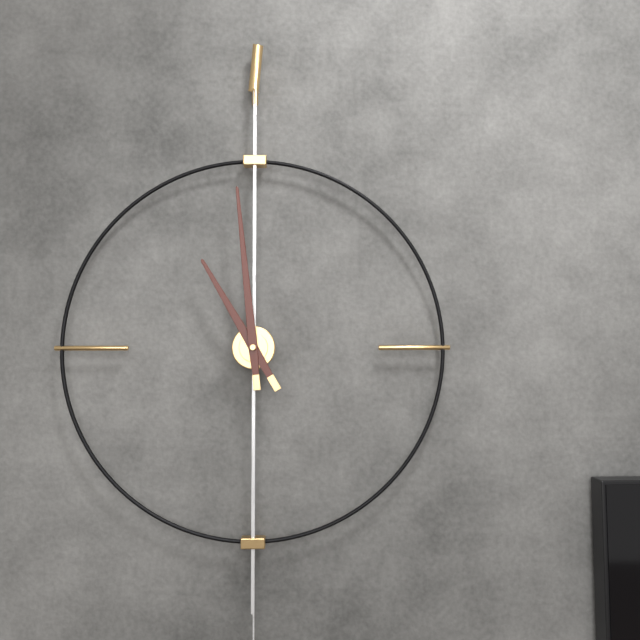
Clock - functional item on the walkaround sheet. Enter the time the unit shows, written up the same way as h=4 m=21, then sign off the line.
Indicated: h=10 m=59
